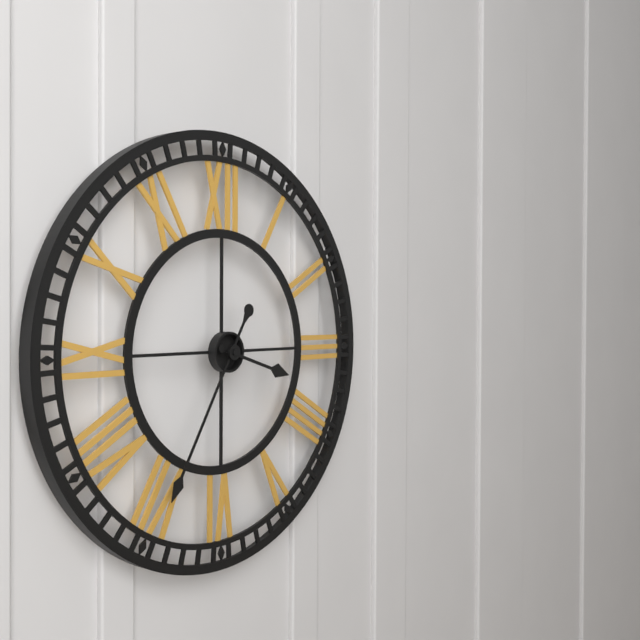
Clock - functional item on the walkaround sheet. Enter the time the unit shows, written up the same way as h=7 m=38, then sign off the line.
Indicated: h=3 m=35
